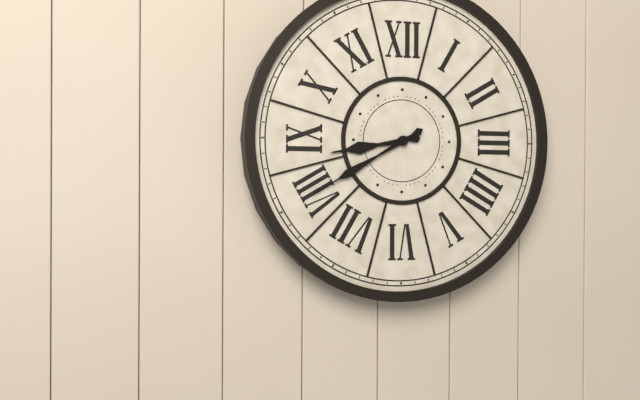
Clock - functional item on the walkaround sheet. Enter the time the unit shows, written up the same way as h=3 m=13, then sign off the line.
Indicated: h=8 m=40
